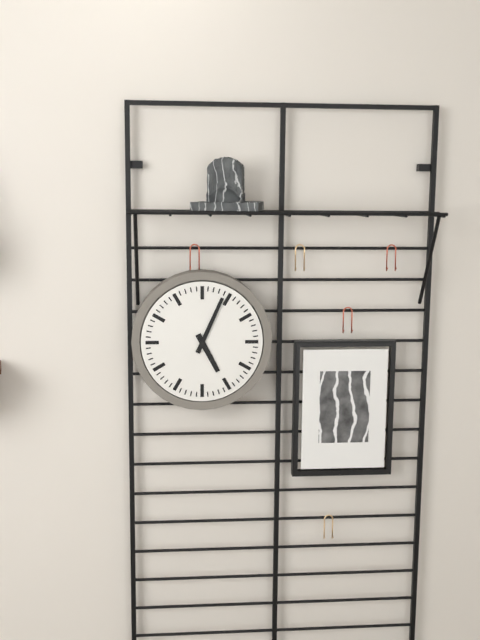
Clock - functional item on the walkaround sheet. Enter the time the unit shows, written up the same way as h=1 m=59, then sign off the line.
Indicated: h=5 m=4
